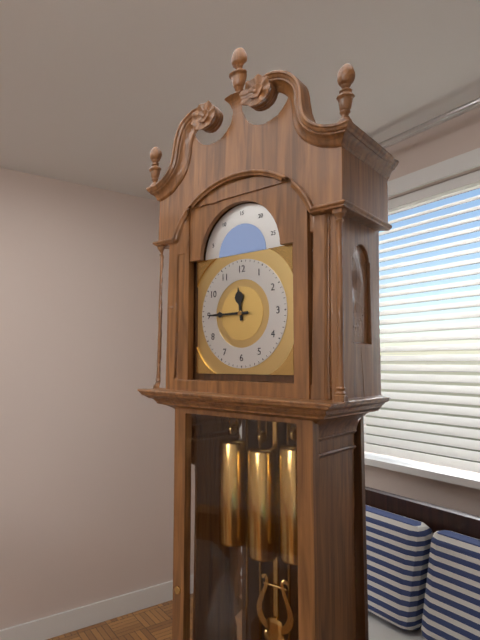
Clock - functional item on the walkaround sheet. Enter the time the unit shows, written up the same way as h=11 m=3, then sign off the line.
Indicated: h=11 m=45
